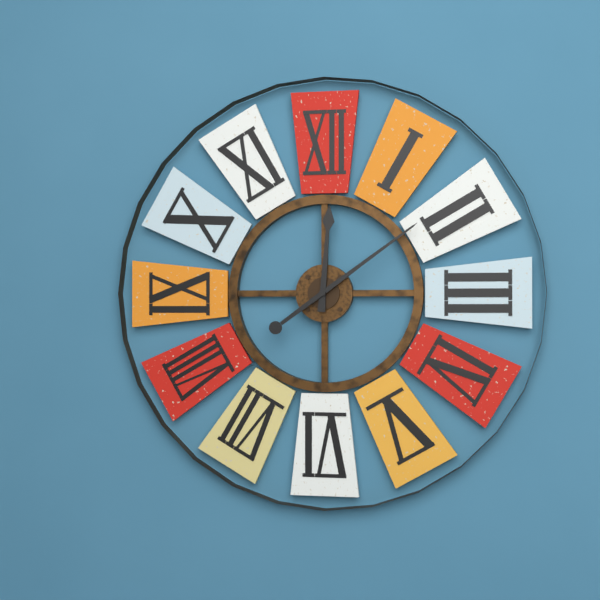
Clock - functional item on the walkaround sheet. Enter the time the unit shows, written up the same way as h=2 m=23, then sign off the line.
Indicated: h=12 m=9
